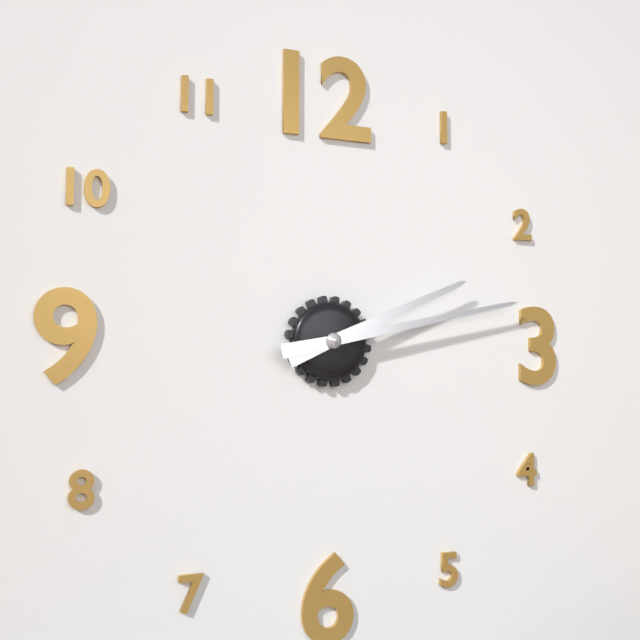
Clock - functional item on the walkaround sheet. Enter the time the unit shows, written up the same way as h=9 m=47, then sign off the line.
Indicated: h=2 m=13
